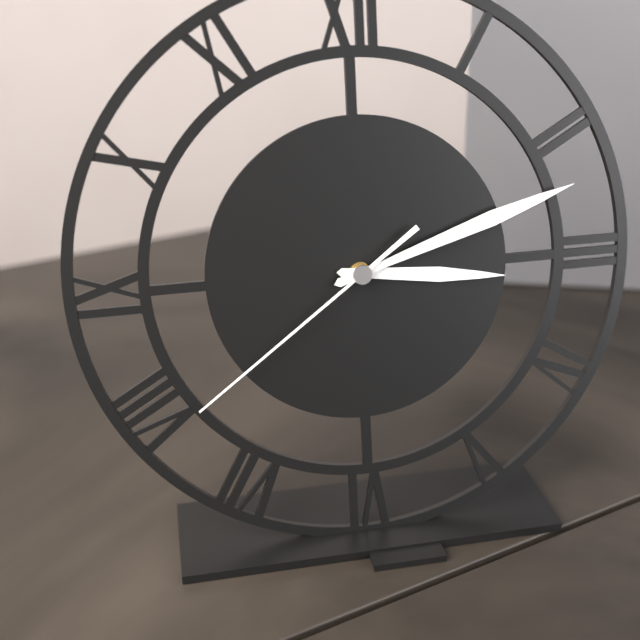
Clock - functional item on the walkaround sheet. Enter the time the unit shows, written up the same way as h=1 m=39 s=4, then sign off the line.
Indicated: h=3 m=12 s=39
